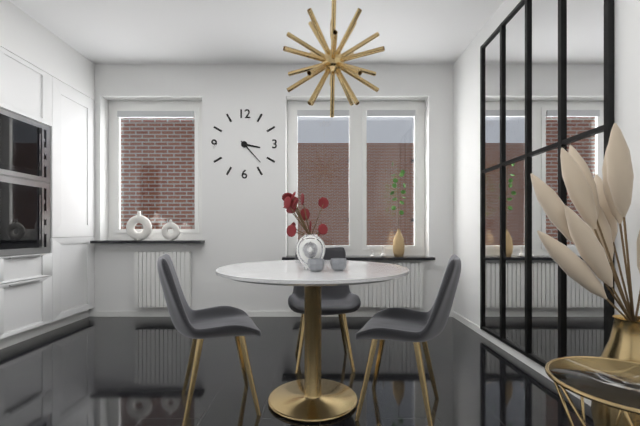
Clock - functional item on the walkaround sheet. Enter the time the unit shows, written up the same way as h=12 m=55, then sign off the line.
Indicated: h=3 m=23
